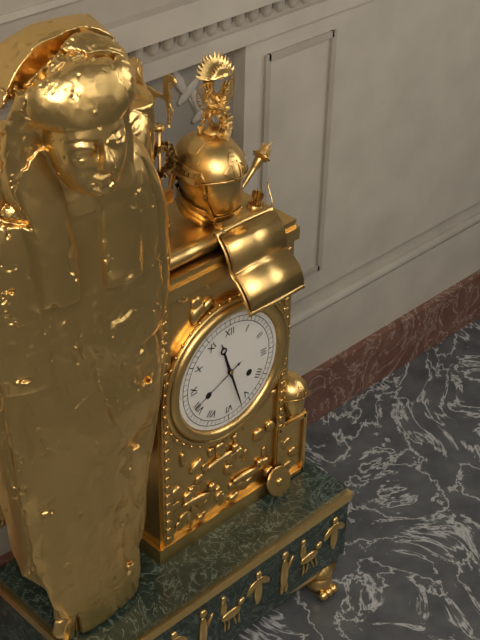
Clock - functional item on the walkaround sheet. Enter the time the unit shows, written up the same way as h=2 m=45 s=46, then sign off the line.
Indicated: h=11 m=27 s=41
